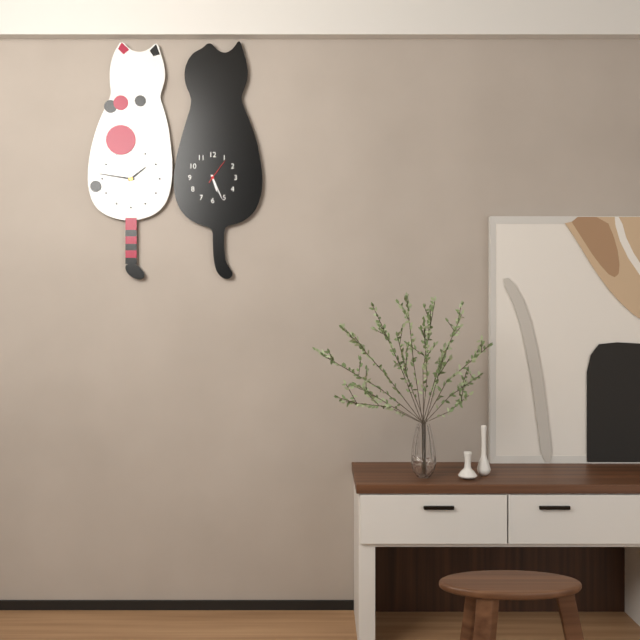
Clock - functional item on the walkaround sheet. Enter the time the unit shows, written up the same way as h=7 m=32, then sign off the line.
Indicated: h=5 m=26
